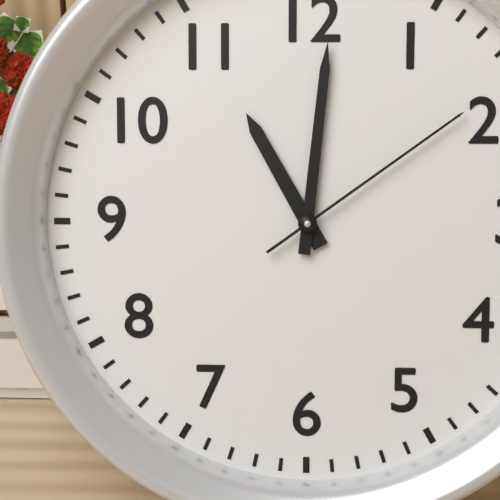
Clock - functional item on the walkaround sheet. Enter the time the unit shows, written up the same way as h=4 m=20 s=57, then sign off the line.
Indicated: h=11 m=1 s=9
